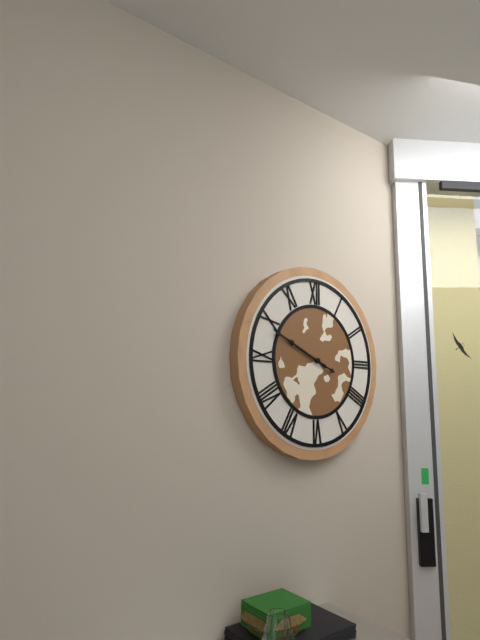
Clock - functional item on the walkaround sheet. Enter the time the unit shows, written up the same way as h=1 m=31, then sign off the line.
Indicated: h=9 m=49
